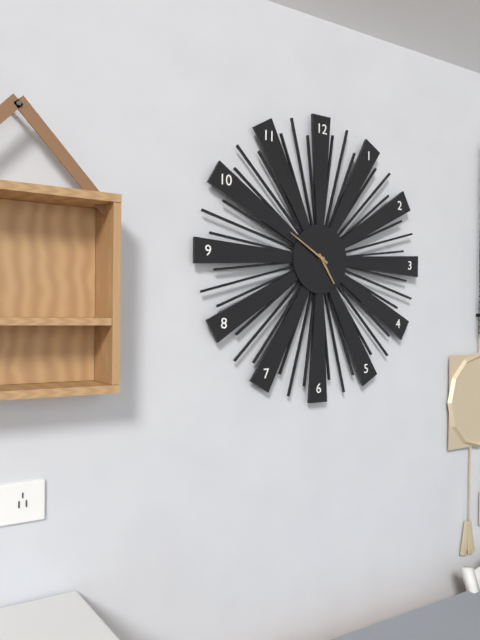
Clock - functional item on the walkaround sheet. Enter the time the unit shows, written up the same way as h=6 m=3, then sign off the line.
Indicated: h=4 m=50
